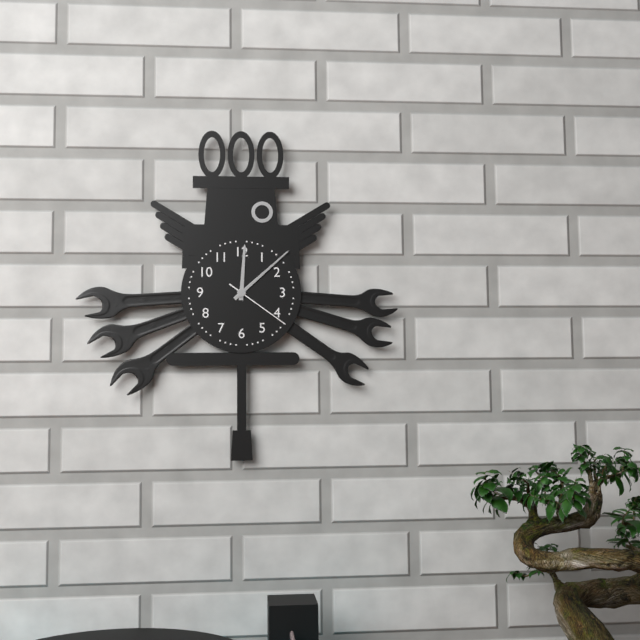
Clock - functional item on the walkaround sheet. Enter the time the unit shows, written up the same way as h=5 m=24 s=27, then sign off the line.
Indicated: h=12 m=8 s=21
